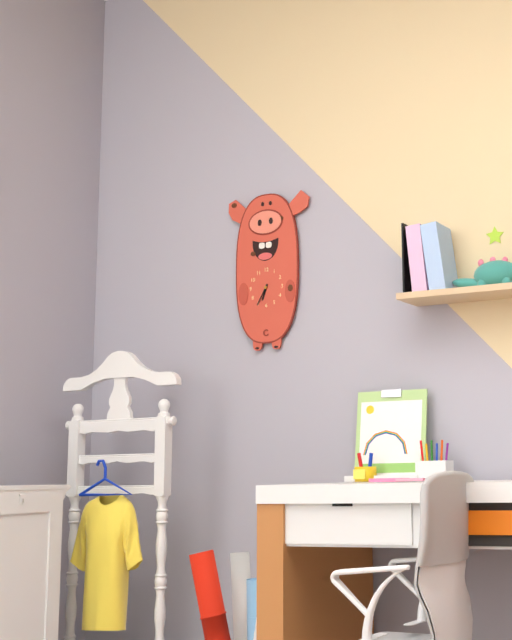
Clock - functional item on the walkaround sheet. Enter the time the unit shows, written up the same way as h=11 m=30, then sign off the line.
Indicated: h=6 m=35
